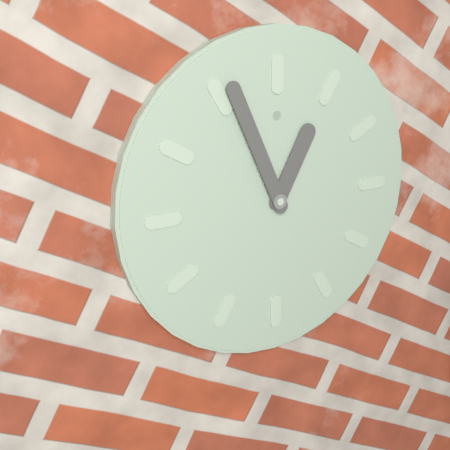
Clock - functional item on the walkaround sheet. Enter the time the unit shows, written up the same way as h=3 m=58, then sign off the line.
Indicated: h=12 m=56
